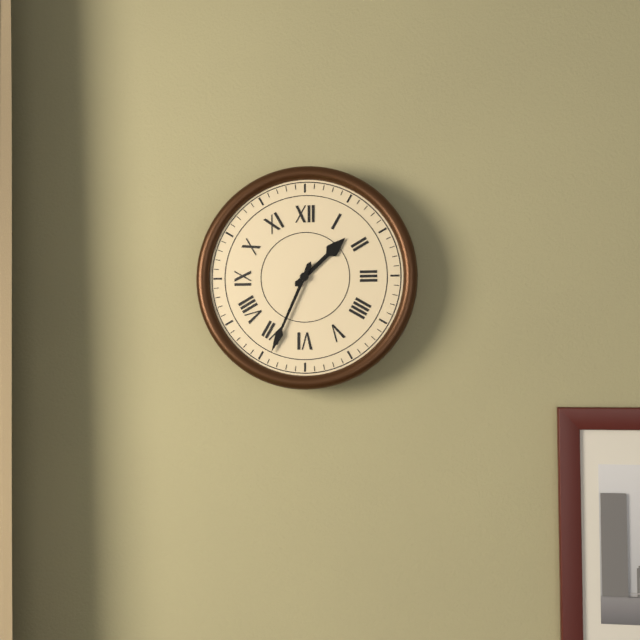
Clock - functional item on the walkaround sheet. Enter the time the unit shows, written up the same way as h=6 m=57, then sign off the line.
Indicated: h=1 m=34
